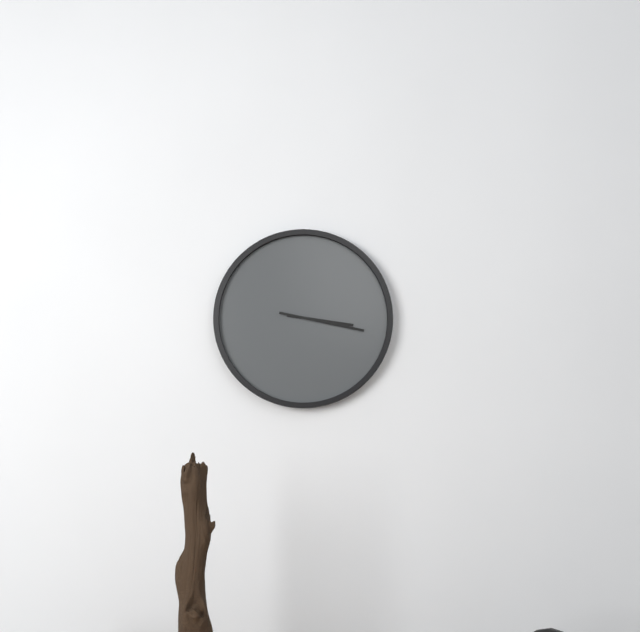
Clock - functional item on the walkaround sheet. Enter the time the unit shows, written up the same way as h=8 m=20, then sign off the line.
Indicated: h=3 m=17
